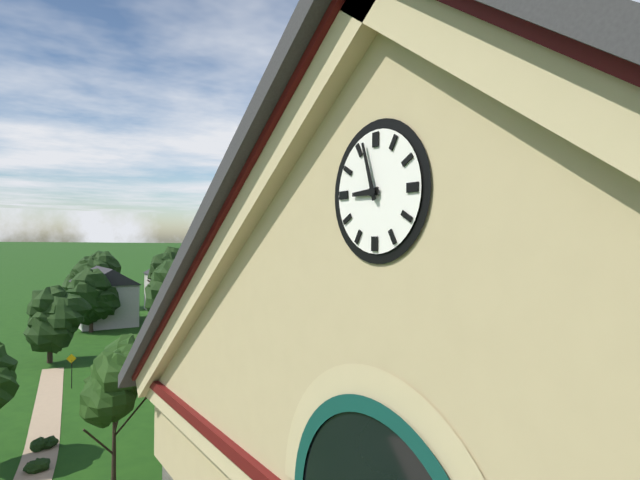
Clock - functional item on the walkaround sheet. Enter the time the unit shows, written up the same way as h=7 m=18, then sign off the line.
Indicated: h=8 m=57
